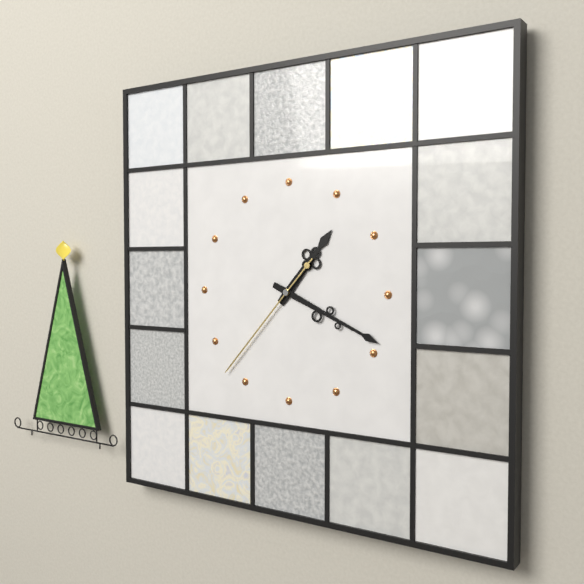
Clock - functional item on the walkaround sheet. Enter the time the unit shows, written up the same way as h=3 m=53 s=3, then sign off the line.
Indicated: h=1 m=19 s=37
